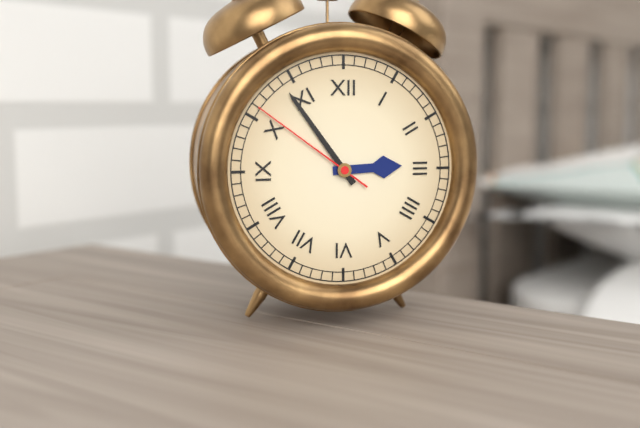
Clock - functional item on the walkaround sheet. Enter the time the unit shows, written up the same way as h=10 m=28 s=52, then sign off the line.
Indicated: h=2 m=54 s=51
